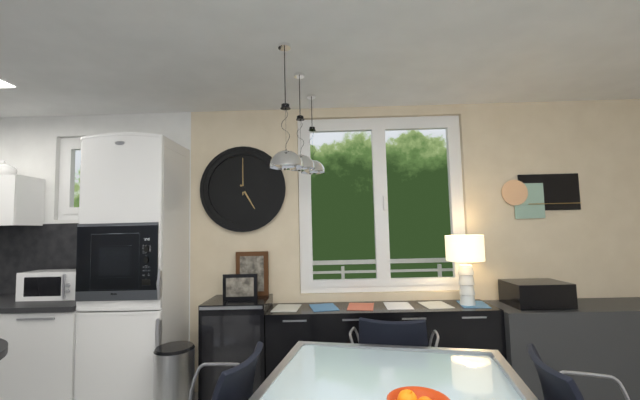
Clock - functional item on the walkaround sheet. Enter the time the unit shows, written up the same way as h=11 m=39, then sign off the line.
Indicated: h=5 m=0
